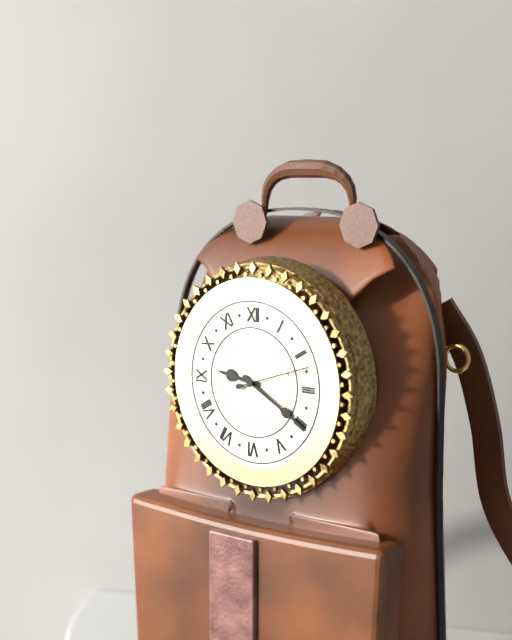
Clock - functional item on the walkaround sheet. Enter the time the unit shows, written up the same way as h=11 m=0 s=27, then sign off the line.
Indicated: h=9 m=20 s=12
